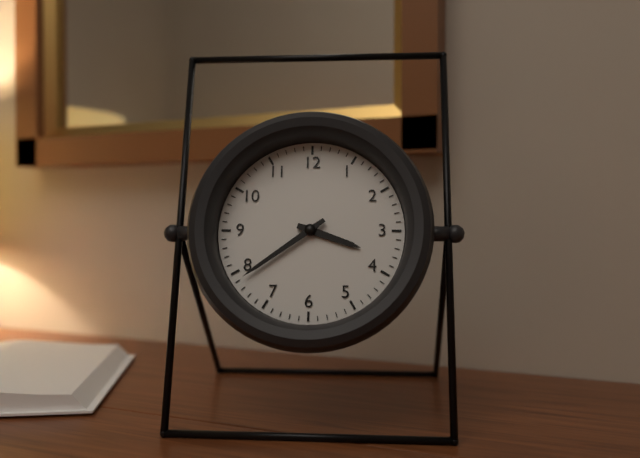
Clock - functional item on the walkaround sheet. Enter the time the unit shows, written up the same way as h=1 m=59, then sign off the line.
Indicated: h=3 m=39
